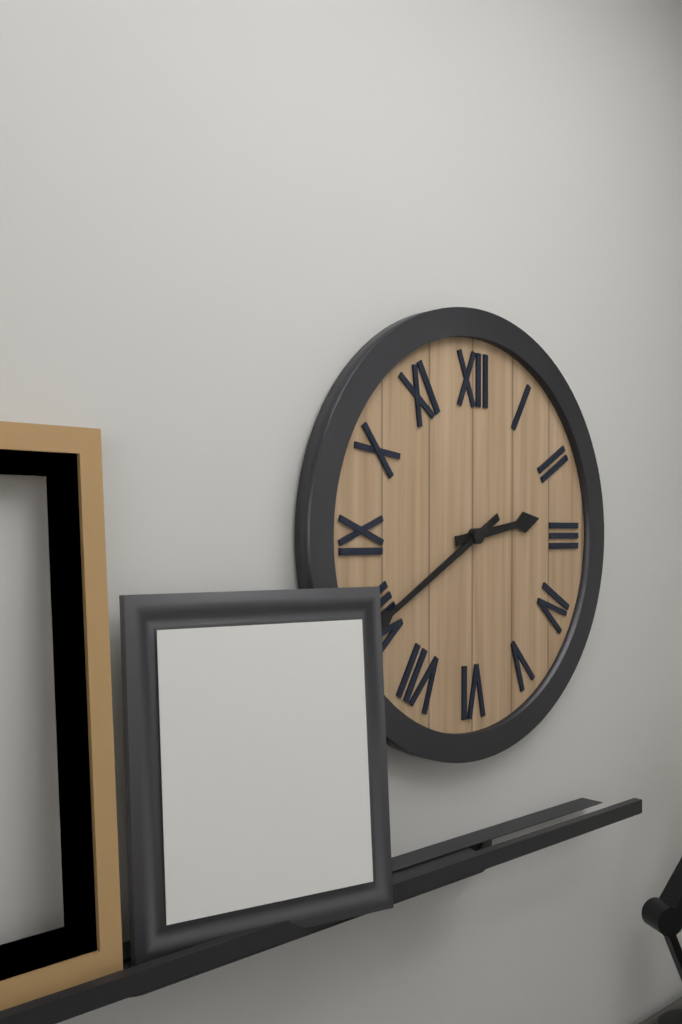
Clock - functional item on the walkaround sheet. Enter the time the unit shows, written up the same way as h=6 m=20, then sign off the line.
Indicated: h=2 m=40
